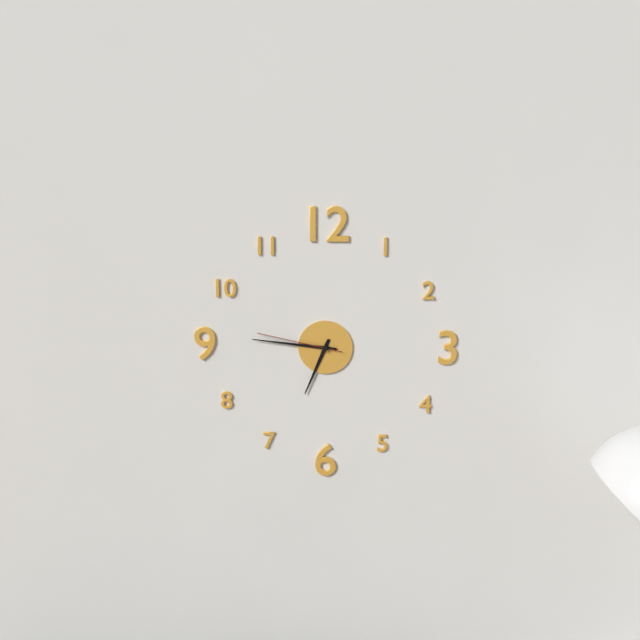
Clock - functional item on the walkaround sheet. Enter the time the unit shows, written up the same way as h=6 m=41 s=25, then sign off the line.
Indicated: h=6 m=46 s=47
